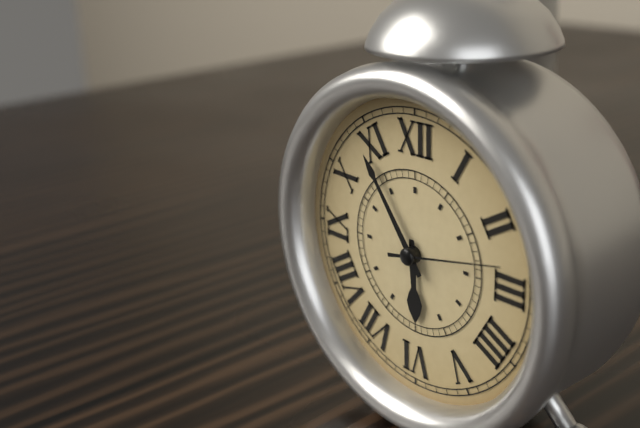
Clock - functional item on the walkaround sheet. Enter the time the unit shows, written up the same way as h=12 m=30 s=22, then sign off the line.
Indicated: h=5 m=54 s=13
